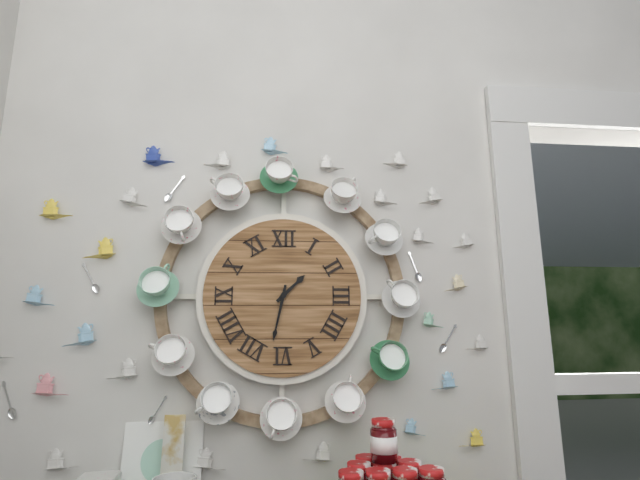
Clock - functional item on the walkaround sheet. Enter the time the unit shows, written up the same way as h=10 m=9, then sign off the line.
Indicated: h=1 m=32
